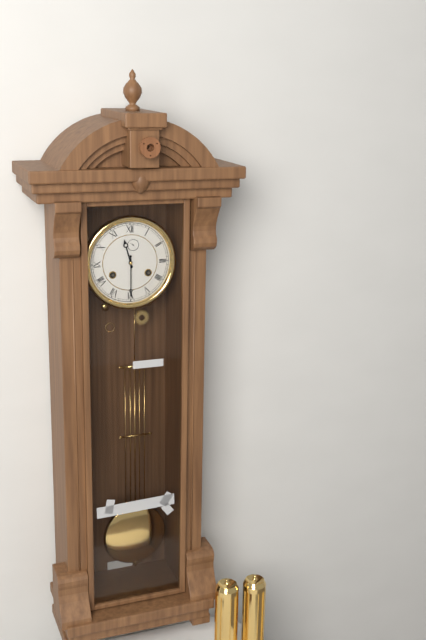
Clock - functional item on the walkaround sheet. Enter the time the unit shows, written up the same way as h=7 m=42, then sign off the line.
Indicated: h=11 m=30
